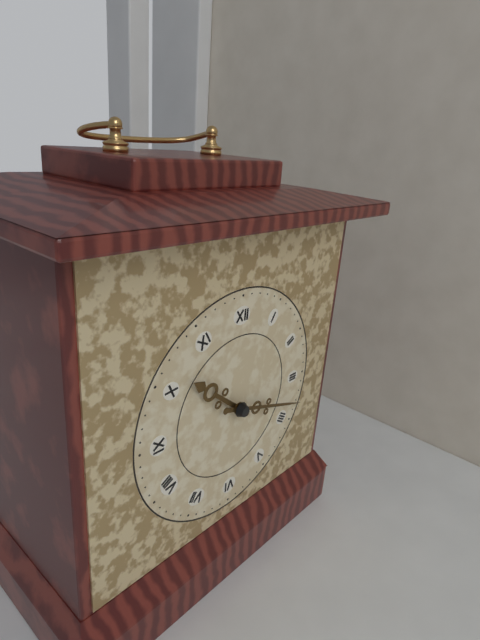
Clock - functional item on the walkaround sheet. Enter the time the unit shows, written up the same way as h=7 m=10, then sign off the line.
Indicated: h=10 m=18
